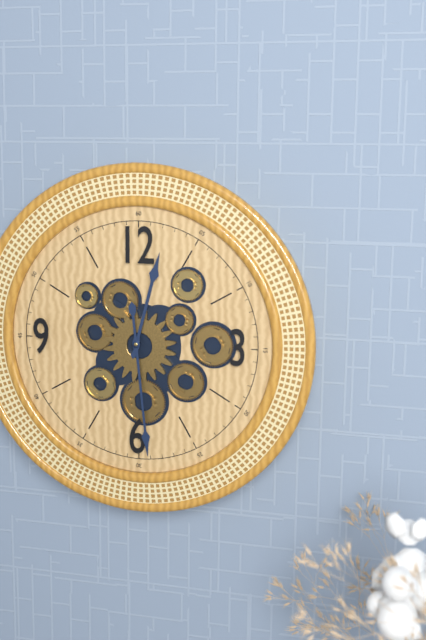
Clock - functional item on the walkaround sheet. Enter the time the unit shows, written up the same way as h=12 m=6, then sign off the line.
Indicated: h=12 m=29
